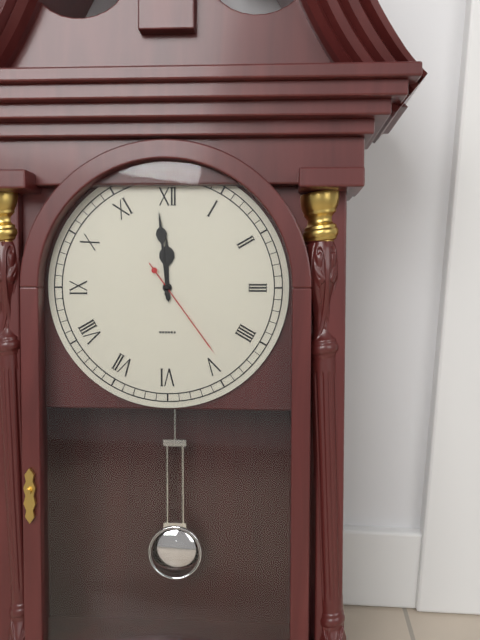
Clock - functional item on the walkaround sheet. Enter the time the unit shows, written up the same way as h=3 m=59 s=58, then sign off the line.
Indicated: h=11 m=59 s=24
